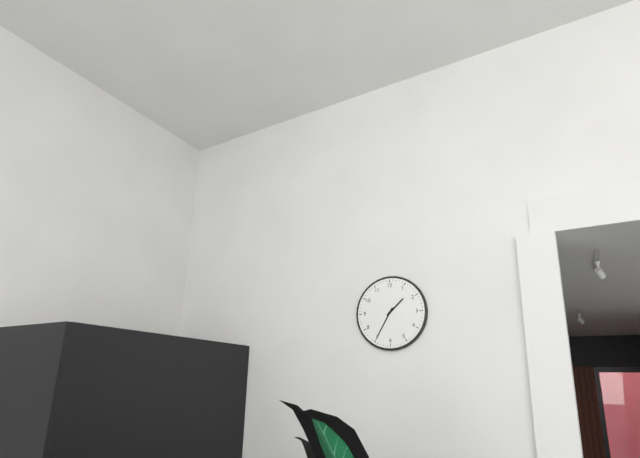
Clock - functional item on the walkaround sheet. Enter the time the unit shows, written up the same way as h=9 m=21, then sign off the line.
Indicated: h=1 m=35
